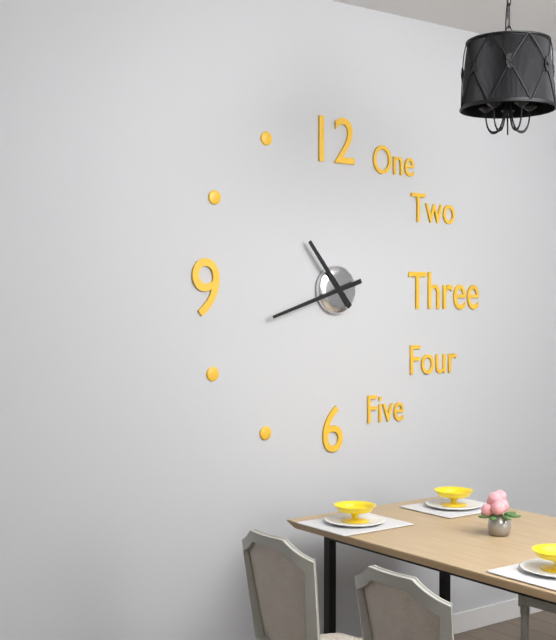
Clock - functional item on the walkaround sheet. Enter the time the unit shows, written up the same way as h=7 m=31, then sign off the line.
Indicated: h=10 m=42
